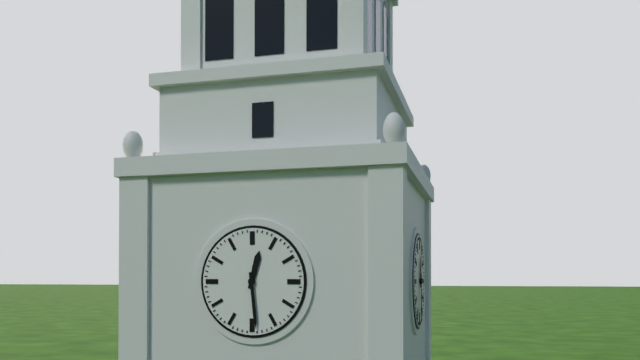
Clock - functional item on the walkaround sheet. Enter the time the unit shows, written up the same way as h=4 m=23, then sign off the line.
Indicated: h=12 m=29
